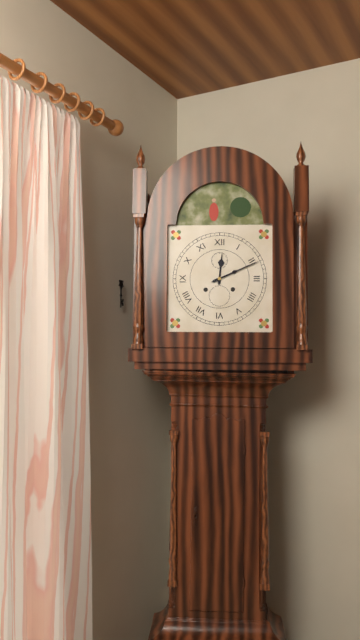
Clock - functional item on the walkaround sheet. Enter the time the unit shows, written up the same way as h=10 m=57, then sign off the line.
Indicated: h=12 m=11
